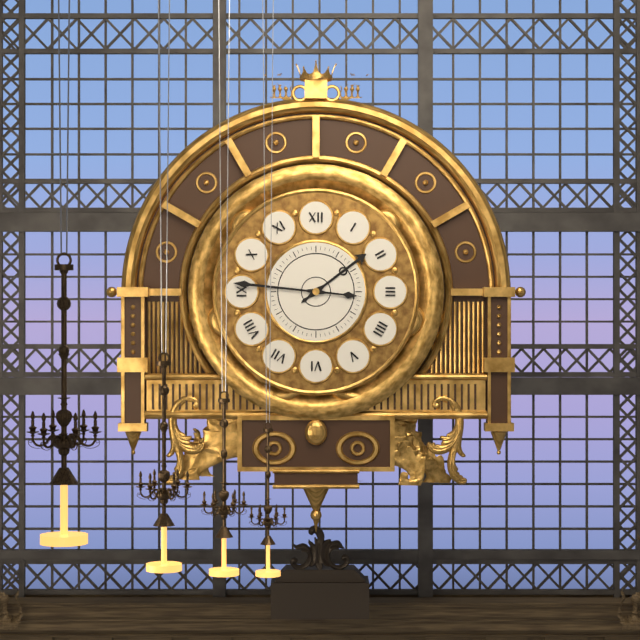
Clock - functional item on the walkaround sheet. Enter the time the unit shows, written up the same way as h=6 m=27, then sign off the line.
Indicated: h=1 m=46
